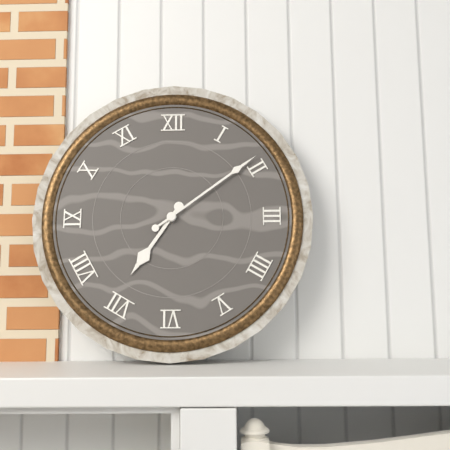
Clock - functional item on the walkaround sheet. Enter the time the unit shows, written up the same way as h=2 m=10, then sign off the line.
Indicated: h=7 m=9
